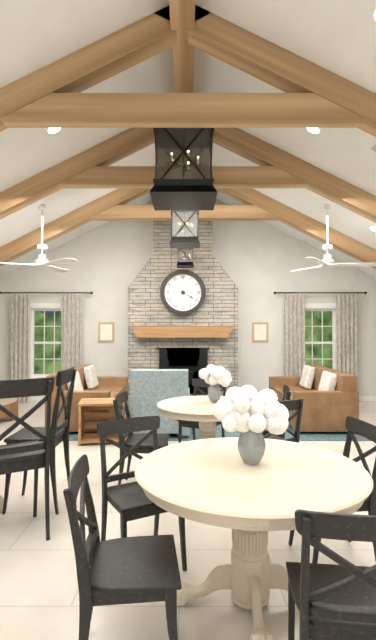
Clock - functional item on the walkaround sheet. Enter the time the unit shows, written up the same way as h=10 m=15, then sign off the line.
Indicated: h=4 m=0
